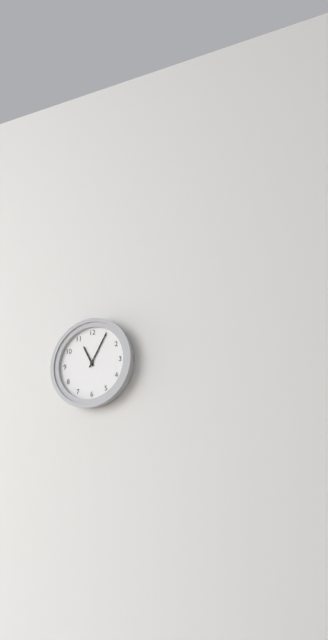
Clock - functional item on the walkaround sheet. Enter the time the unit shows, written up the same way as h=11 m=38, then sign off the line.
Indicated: h=11 m=5
